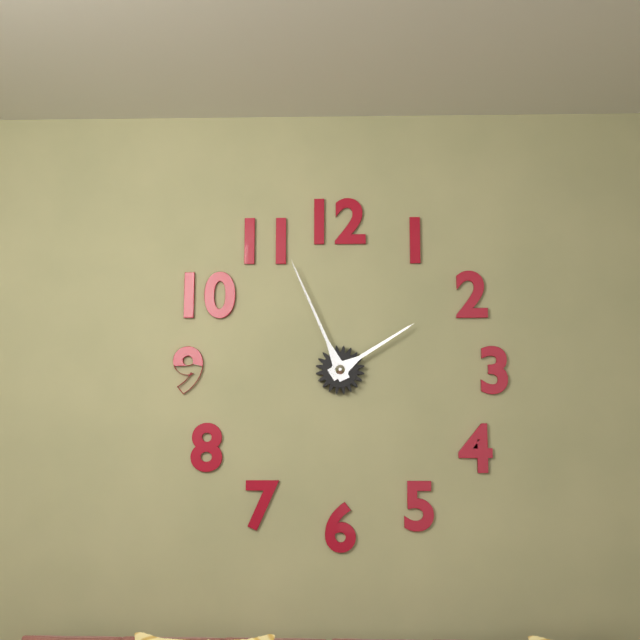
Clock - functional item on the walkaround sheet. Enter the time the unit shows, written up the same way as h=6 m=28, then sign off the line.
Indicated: h=1 m=56
